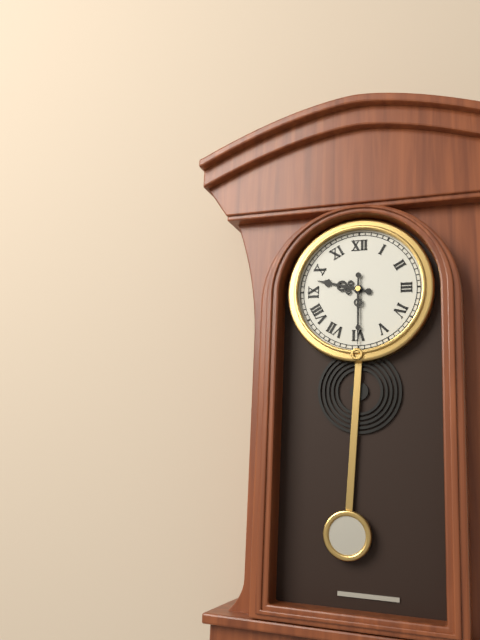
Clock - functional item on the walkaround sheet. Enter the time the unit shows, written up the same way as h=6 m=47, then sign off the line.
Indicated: h=9 m=30
